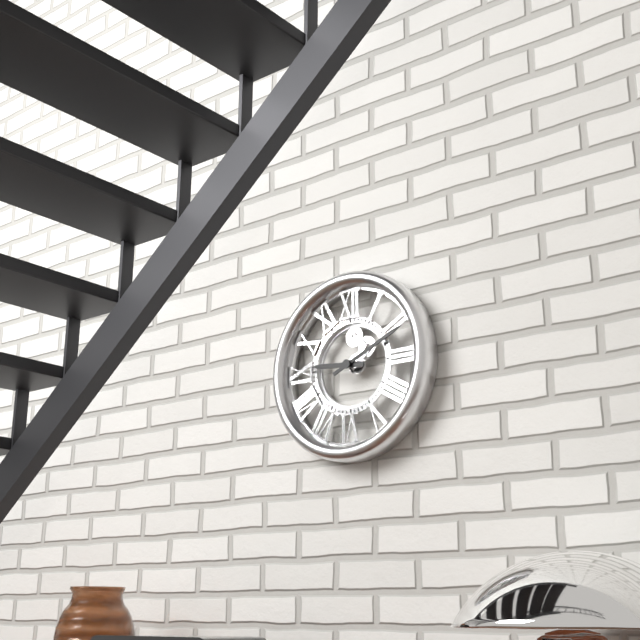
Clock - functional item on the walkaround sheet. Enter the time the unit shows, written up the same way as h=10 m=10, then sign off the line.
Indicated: h=9 m=11
